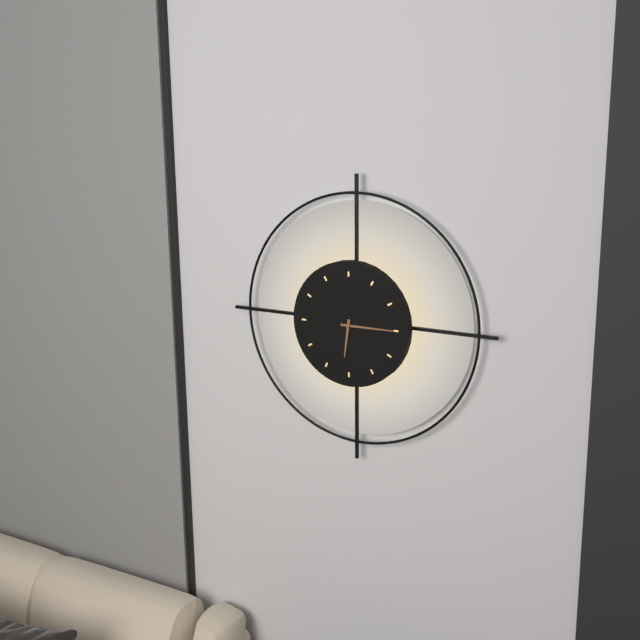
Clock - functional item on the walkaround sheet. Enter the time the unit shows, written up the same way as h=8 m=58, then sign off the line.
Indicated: h=6 m=15
